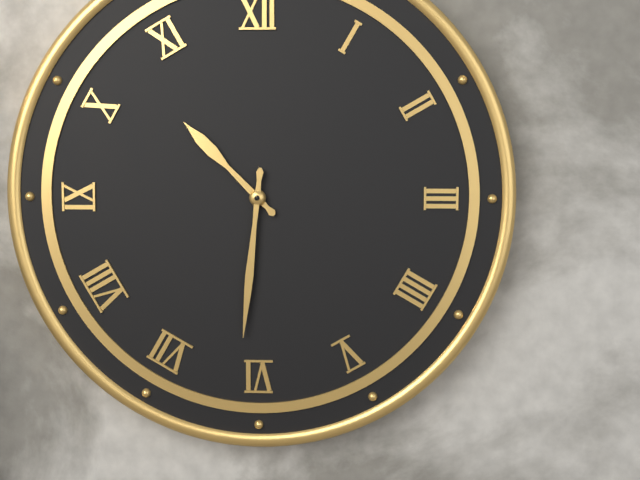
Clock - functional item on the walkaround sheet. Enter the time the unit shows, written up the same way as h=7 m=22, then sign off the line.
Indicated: h=10 m=31
